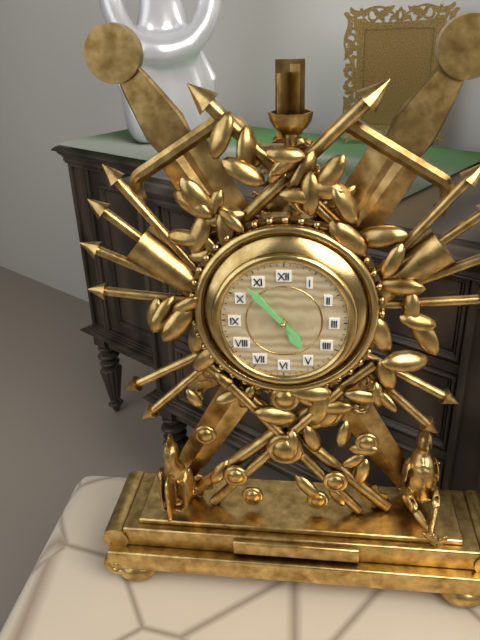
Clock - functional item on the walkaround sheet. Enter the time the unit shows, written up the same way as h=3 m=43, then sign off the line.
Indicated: h=4 m=53
